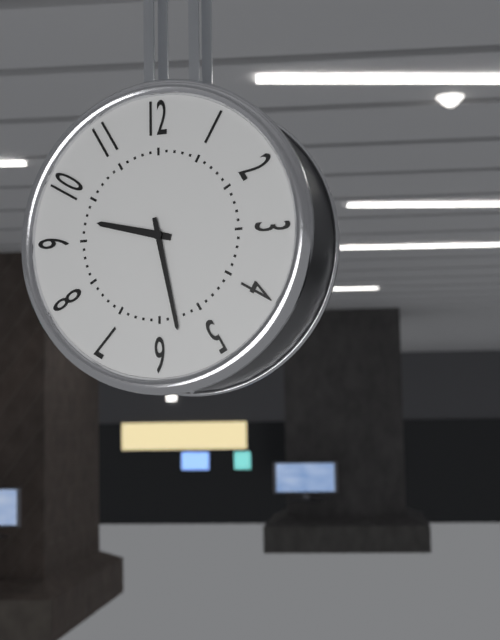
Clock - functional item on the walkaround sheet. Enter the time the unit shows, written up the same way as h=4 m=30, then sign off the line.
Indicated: h=9 m=28
